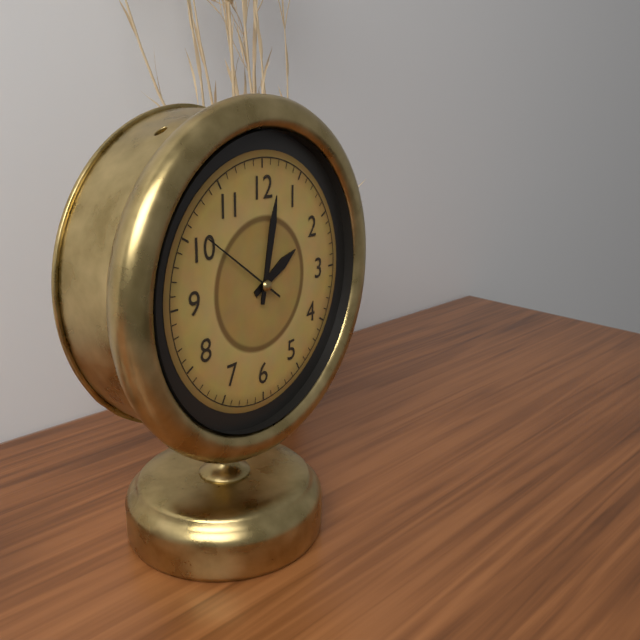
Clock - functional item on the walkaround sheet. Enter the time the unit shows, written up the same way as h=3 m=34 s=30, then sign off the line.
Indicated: h=2 m=2 s=51
